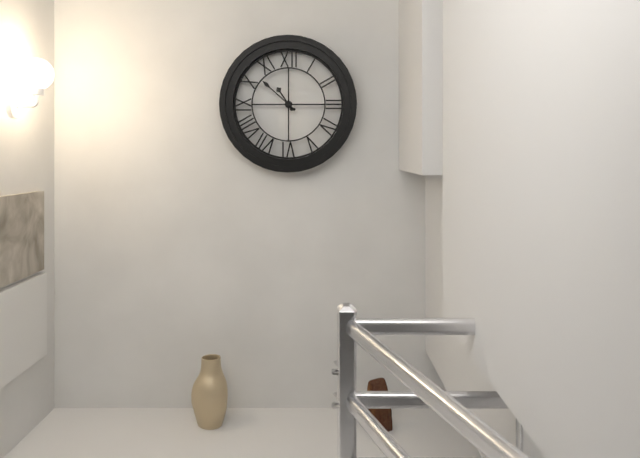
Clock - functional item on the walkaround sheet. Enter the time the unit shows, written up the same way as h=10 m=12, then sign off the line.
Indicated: h=10 m=52
